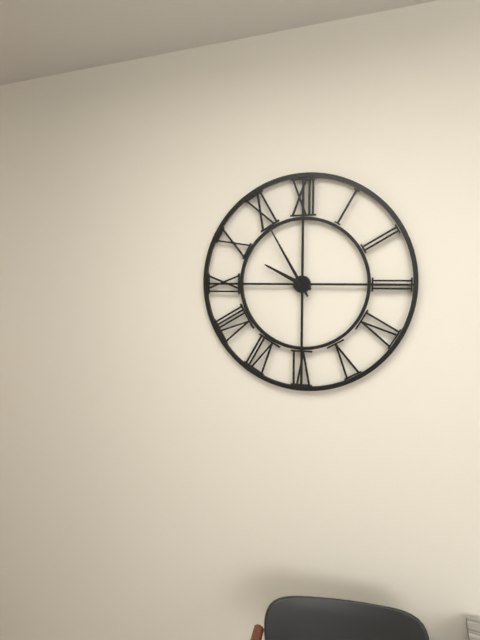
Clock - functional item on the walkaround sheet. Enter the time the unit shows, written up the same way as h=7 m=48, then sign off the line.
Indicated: h=9 m=55
